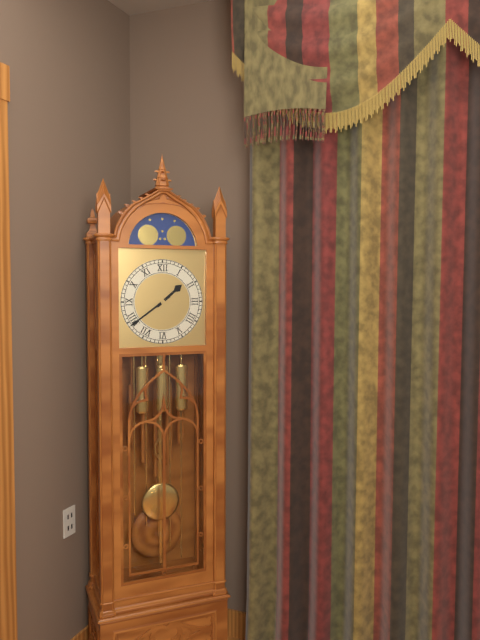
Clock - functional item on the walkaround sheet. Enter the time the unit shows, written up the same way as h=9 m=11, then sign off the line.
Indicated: h=1 m=39
